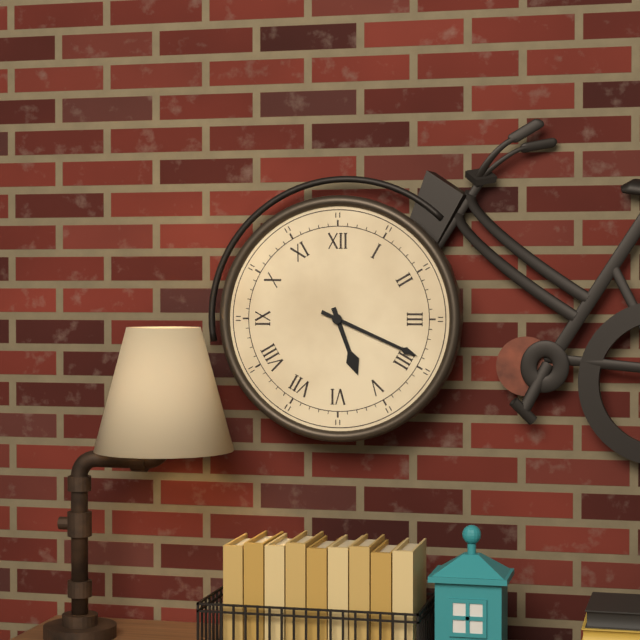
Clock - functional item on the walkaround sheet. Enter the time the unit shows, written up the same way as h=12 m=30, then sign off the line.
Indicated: h=5 m=19
